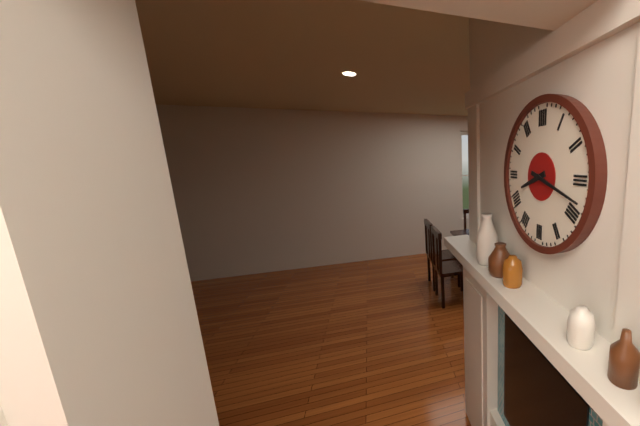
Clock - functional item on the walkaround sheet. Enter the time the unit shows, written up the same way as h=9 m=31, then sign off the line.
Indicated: h=8 m=18
